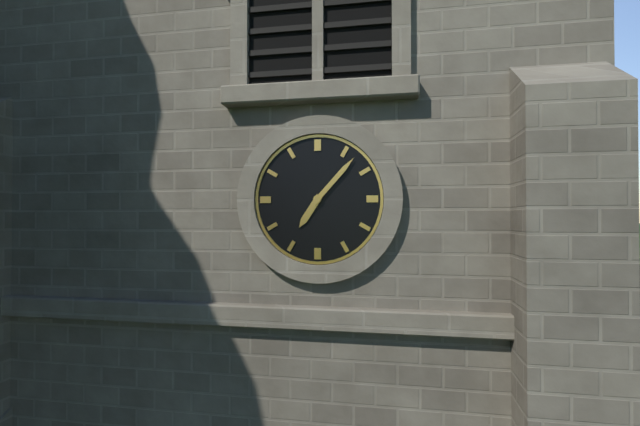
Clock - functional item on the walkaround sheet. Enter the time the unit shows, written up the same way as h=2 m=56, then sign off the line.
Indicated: h=7 m=7
